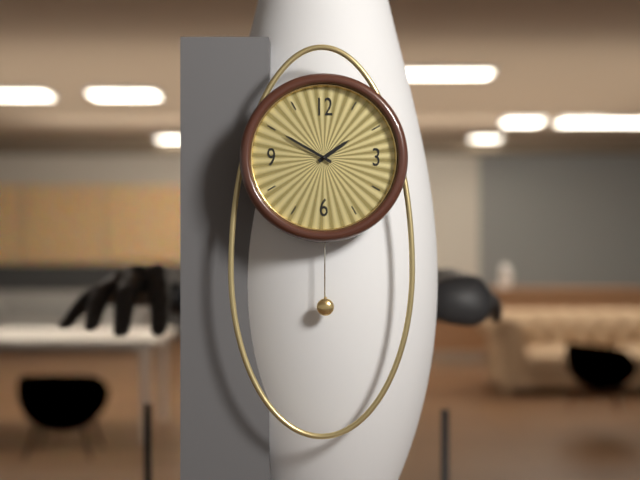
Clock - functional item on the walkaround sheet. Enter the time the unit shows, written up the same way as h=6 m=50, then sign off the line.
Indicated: h=1 m=50
